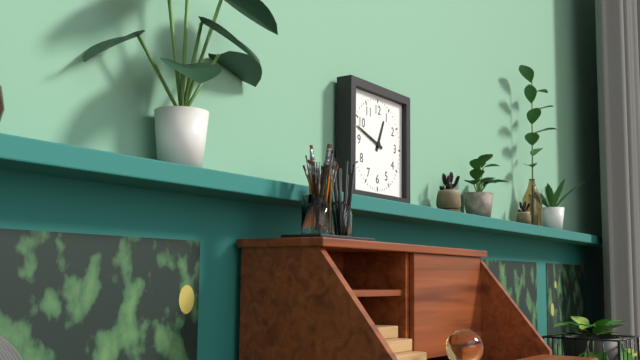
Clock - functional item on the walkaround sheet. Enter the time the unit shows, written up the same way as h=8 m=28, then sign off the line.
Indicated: h=12 m=48
